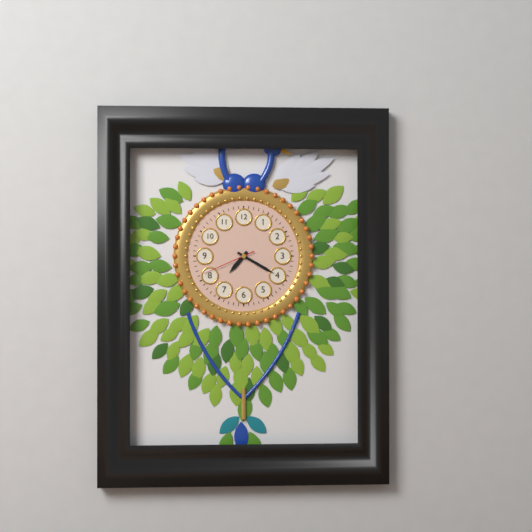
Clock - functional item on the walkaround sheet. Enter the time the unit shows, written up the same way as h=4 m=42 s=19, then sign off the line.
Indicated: h=7 m=20 s=41
